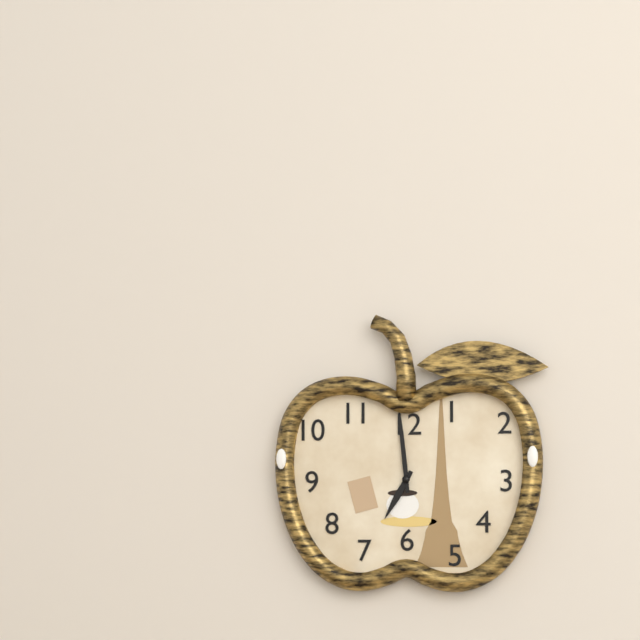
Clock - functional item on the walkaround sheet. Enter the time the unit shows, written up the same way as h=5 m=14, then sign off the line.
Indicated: h=6 m=59
